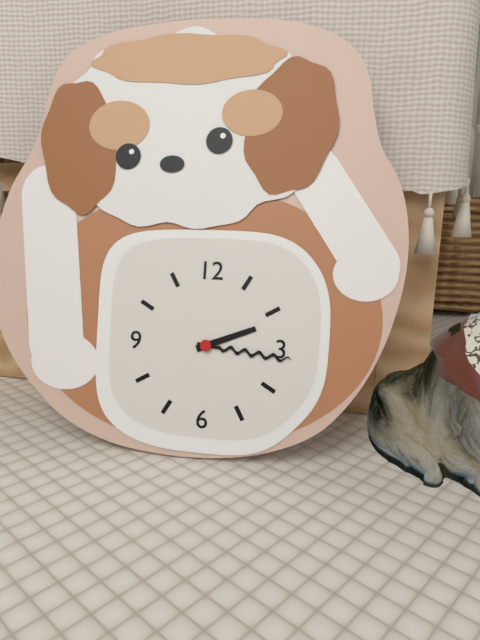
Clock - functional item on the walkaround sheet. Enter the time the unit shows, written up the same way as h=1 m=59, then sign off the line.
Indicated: h=2 m=16
